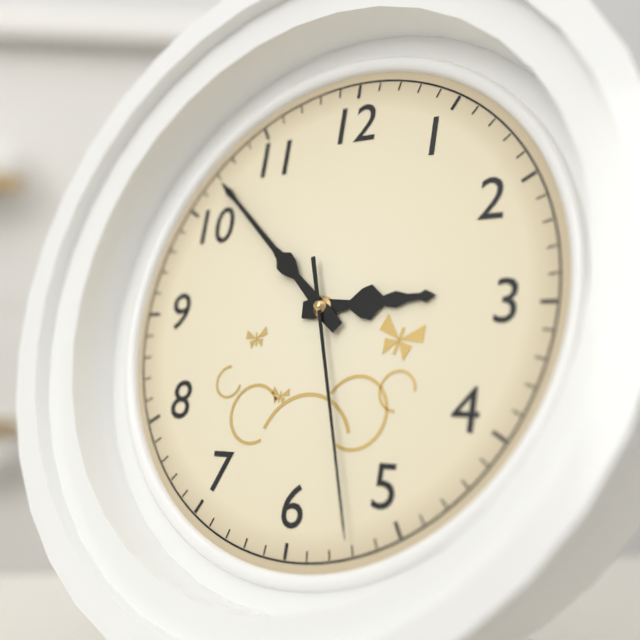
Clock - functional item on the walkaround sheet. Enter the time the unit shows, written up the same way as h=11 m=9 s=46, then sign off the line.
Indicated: h=2 m=52 s=27
